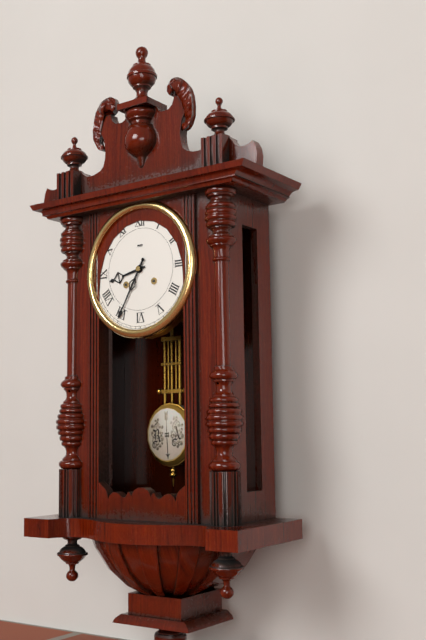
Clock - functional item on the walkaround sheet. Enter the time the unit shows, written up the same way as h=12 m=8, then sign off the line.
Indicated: h=8 m=35
